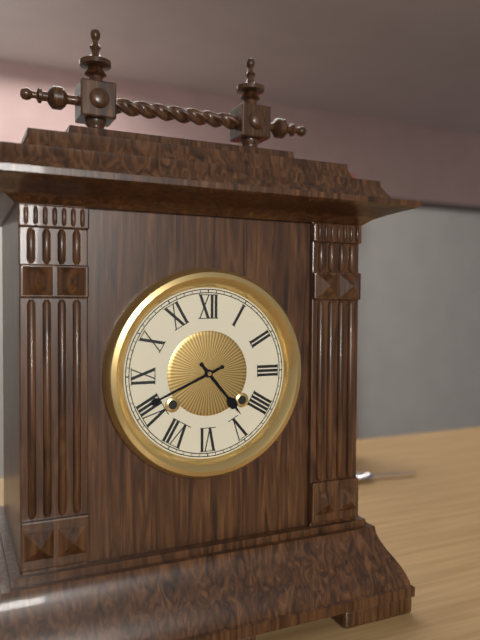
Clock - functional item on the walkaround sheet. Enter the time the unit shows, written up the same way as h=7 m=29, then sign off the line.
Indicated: h=4 m=41
